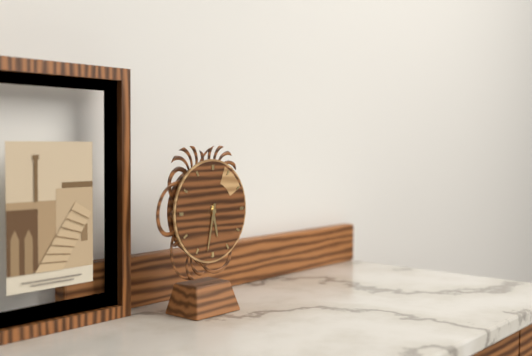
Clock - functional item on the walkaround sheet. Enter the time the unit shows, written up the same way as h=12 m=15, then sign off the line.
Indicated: h=5 m=32
